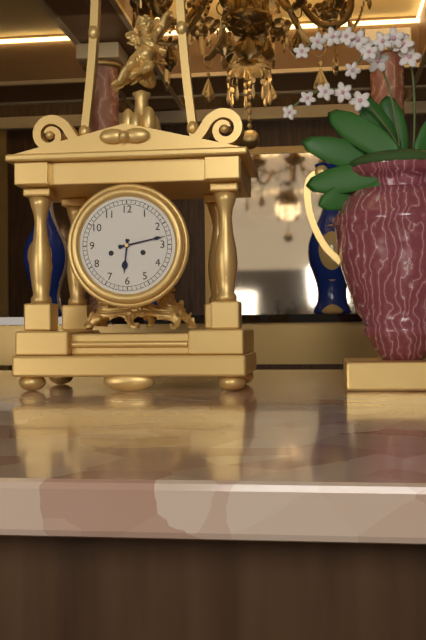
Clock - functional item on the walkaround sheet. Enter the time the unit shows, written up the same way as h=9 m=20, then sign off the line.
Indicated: h=6 m=13
